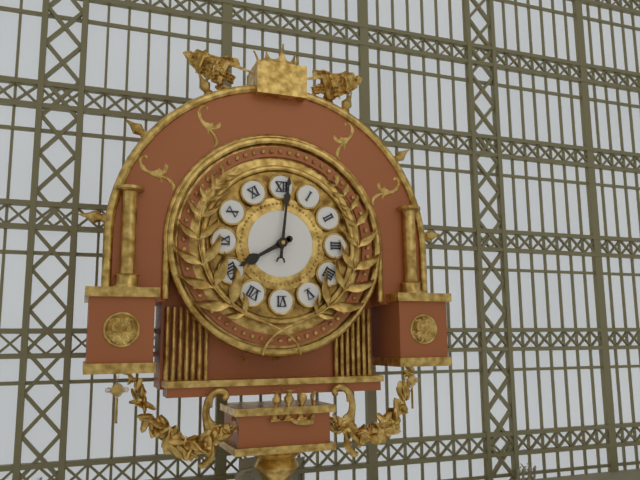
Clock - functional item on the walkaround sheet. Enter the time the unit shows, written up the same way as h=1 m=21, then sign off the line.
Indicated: h=8 m=1
